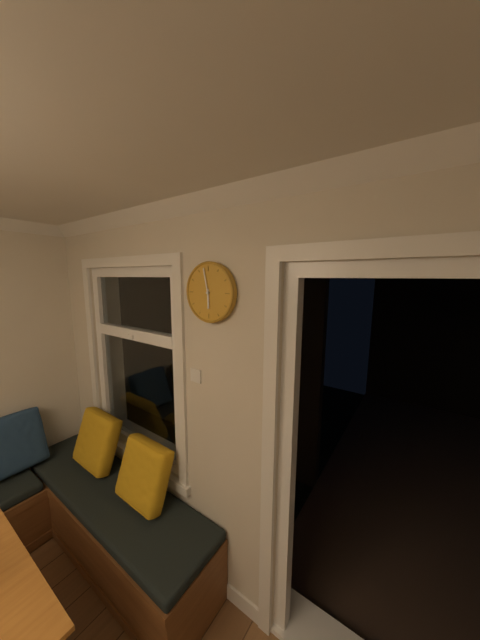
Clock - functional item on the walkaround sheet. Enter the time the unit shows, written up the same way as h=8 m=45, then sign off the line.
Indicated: h=5 m=58
